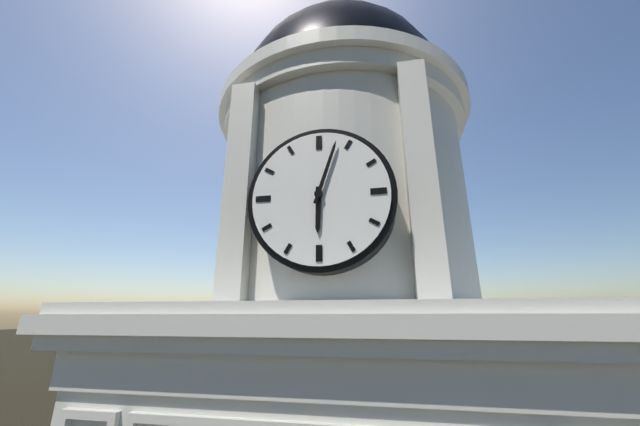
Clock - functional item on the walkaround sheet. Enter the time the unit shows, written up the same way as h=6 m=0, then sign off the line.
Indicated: h=6 m=3
